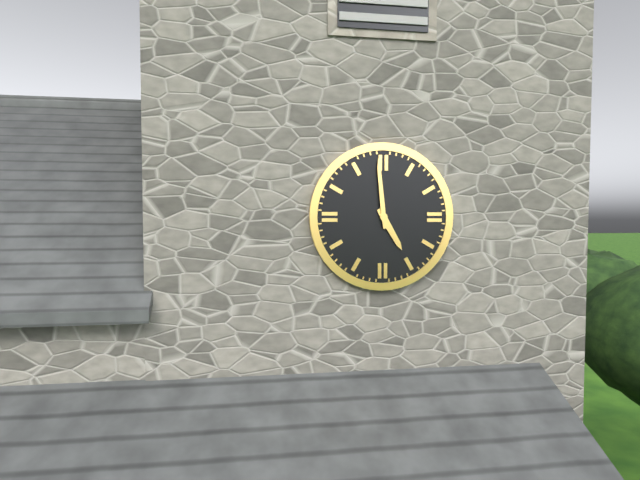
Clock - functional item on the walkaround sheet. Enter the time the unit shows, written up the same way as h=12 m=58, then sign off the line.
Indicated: h=4 m=59
